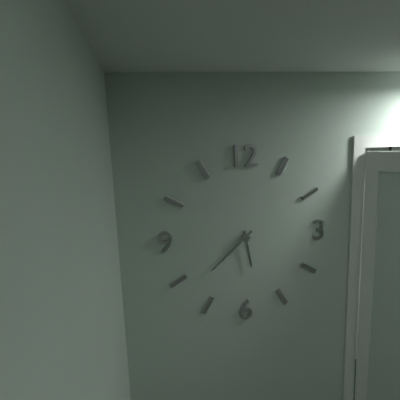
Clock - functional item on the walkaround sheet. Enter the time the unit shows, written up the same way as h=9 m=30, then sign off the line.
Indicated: h=5 m=38
